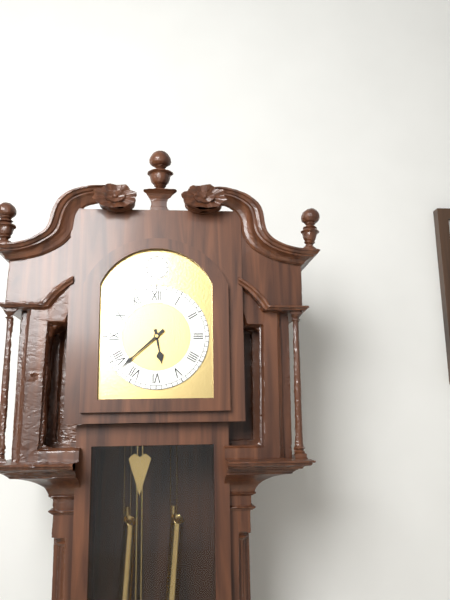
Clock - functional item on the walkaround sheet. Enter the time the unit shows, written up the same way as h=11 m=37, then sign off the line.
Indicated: h=5 m=38
